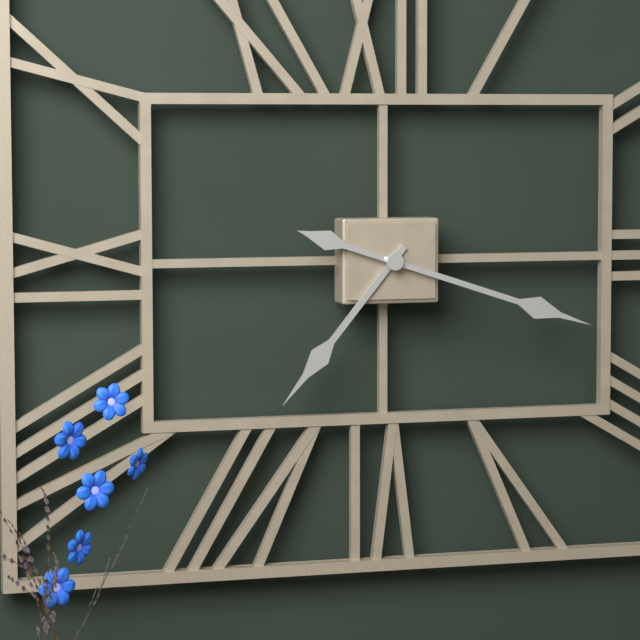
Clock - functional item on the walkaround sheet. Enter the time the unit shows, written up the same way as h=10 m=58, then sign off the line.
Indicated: h=7 m=18
